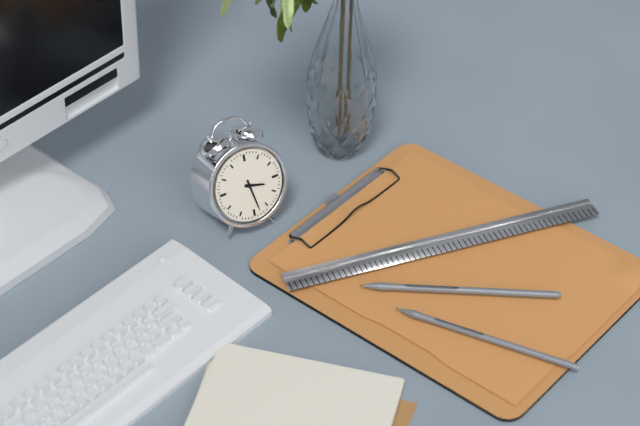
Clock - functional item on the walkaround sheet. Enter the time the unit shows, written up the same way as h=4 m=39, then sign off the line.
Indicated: h=3 m=28
